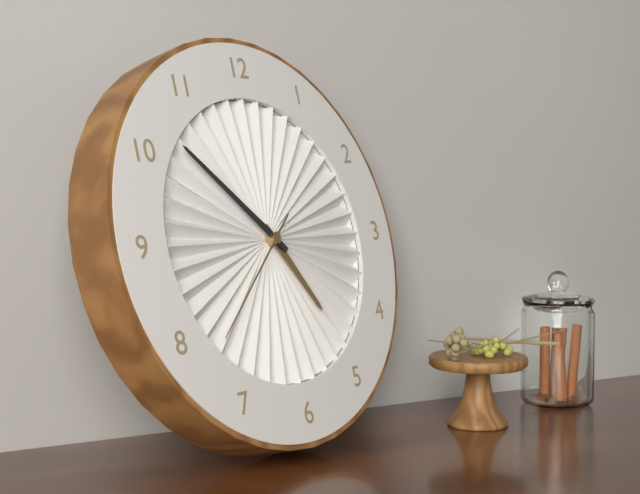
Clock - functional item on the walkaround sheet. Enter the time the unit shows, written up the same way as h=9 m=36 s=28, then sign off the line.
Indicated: h=4 m=52 s=38
